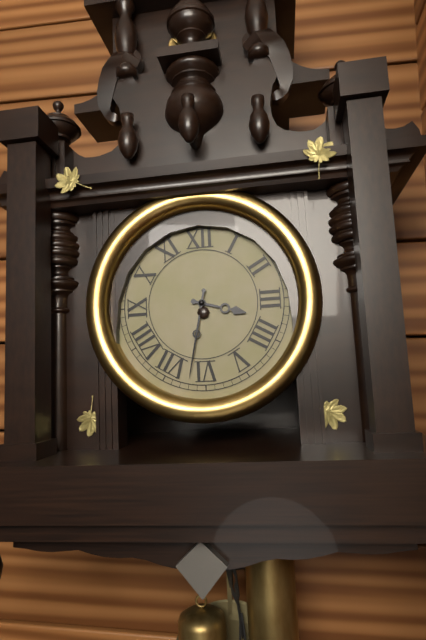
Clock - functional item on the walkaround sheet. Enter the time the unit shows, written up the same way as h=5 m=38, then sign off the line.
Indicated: h=3 m=32
